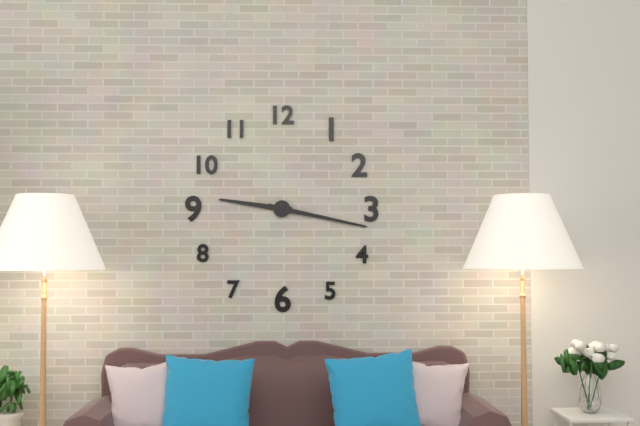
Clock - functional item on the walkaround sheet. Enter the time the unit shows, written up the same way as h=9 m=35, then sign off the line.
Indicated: h=9 m=17
